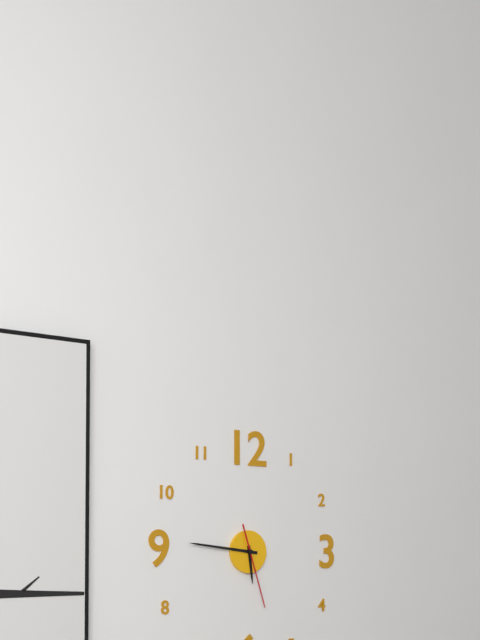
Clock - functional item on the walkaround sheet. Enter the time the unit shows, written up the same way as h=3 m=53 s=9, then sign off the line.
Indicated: h=5 m=46 s=27
